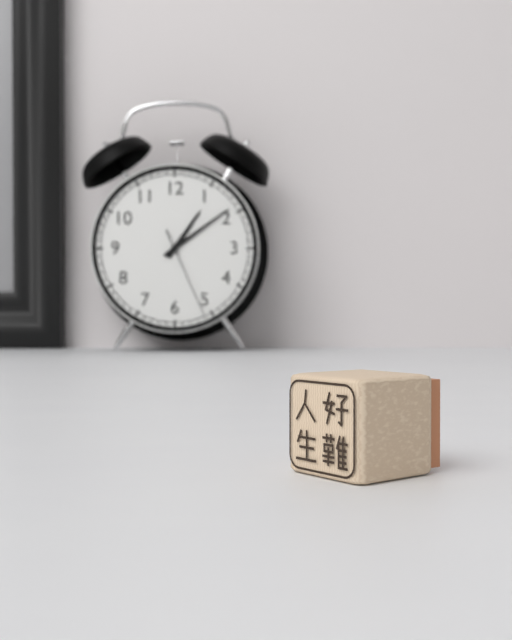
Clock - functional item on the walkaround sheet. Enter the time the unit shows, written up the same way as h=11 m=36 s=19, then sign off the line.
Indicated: h=1 m=9 s=26
